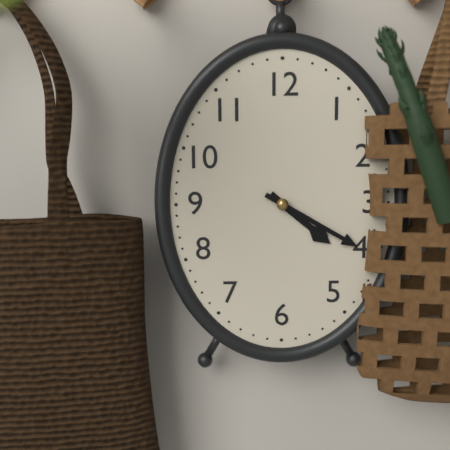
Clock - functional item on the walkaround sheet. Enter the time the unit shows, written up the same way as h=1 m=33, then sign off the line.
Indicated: h=4 m=20
